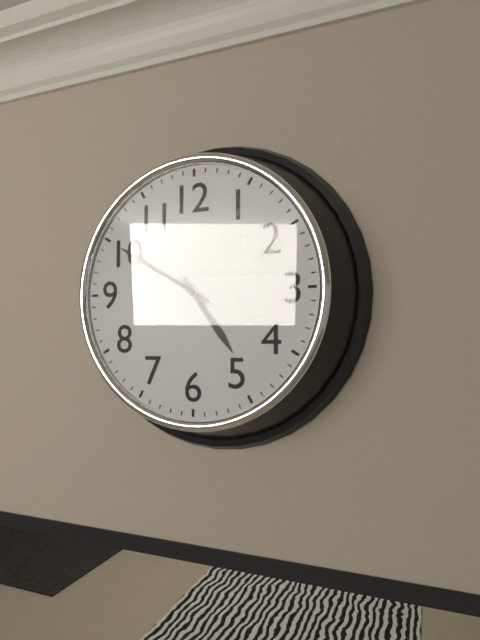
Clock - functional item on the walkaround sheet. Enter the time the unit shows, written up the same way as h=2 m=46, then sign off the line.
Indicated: h=4 m=50
